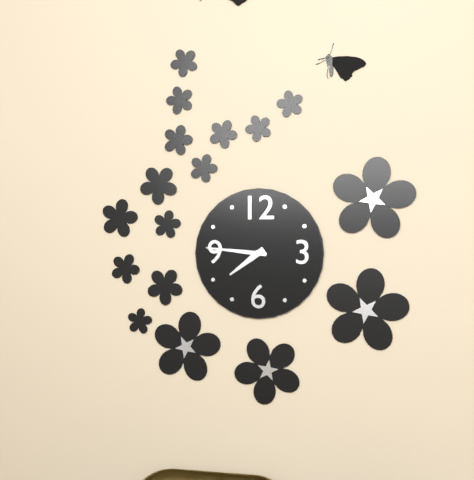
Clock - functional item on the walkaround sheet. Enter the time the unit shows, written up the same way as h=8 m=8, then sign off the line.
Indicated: h=7 m=46
